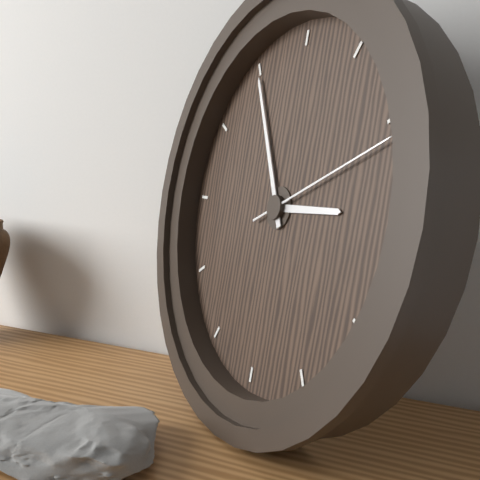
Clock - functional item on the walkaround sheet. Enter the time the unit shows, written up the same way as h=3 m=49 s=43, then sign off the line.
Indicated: h=2 m=55 s=11
